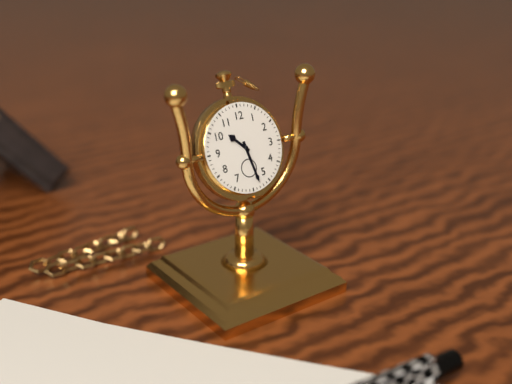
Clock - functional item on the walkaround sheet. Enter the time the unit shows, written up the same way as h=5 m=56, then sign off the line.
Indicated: h=10 m=28
